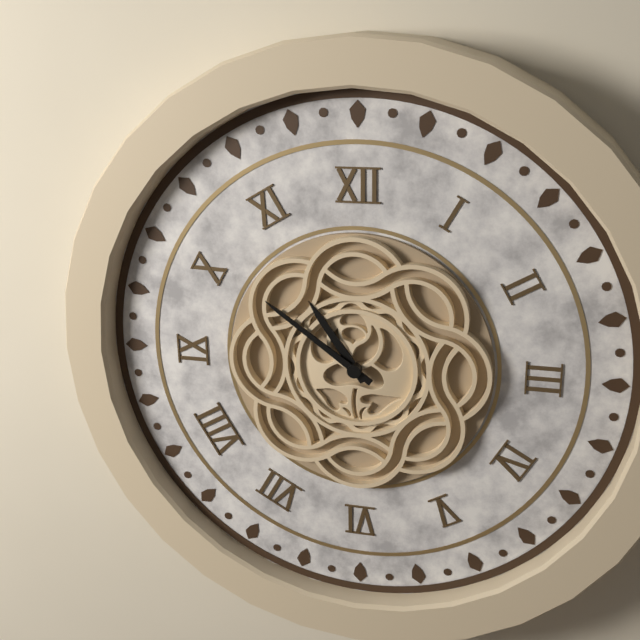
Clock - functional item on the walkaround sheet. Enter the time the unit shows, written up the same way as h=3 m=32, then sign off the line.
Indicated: h=10 m=51
